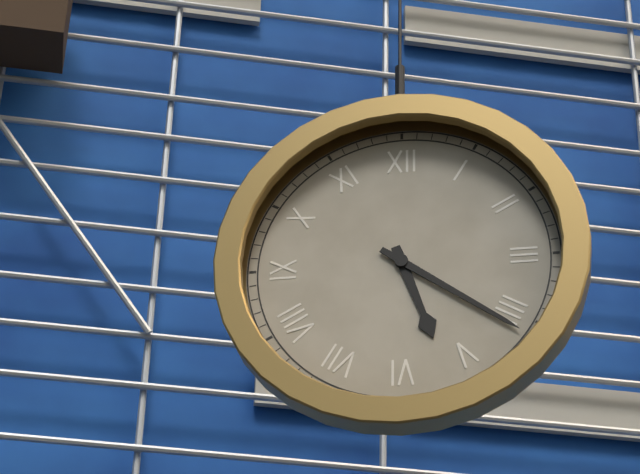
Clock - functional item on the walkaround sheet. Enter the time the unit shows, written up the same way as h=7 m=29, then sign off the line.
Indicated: h=5 m=21
